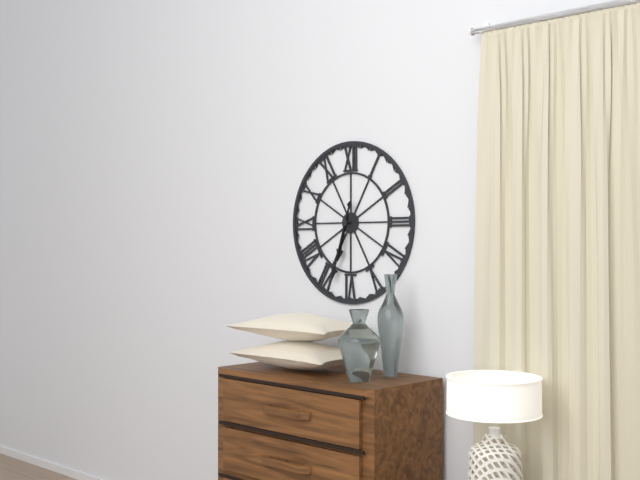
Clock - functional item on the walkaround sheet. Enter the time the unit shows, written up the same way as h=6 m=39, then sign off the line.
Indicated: h=6 m=33
